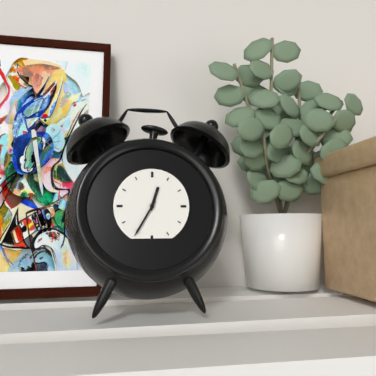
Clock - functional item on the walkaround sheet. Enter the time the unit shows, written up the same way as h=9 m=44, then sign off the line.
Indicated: h=12 m=35
